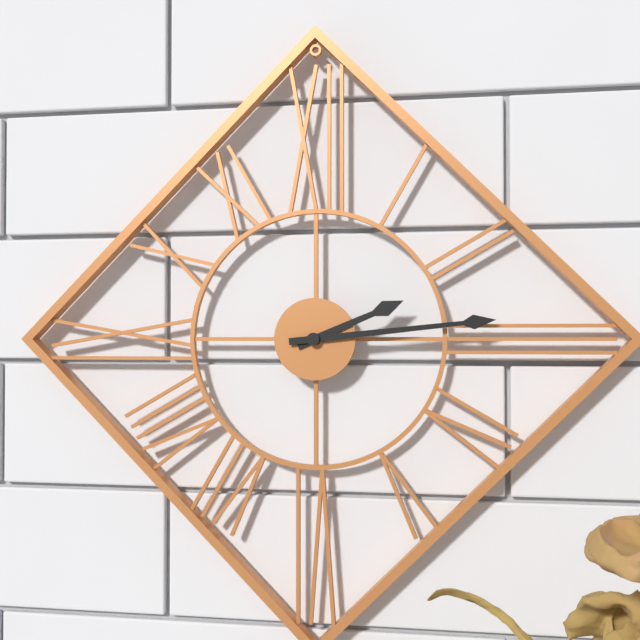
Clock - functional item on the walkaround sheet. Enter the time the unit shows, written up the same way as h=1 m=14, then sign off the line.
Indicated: h=2 m=14
